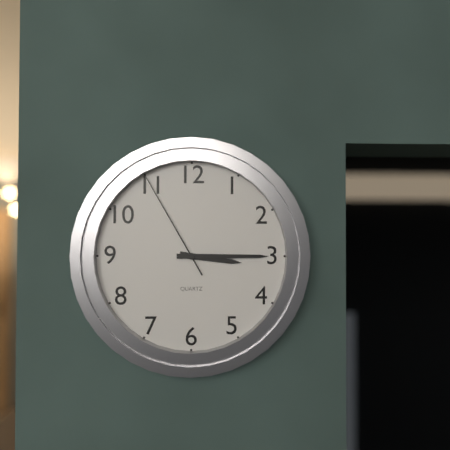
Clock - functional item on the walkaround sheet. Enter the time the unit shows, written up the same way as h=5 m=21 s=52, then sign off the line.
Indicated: h=3 m=15 s=55
